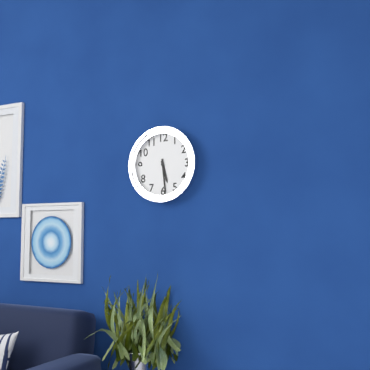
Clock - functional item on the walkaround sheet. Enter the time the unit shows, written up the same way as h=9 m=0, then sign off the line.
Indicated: h=5 m=29
